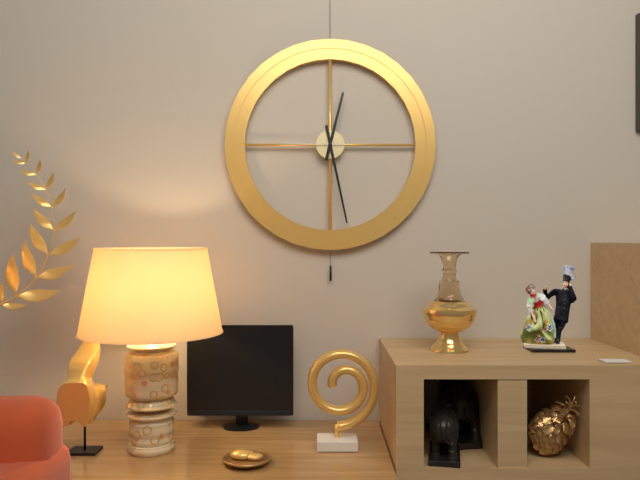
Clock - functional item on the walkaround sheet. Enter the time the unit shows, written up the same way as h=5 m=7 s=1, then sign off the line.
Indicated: h=12 m=28 s=45
